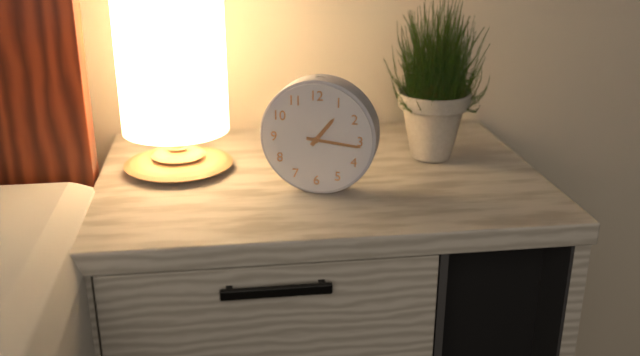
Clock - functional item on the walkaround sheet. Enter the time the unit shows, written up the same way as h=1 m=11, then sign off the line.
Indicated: h=1 m=16
